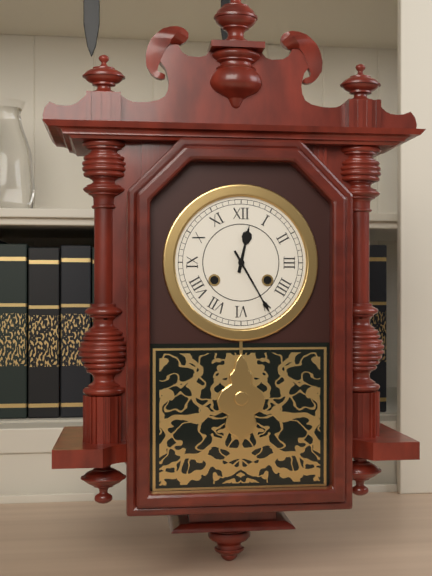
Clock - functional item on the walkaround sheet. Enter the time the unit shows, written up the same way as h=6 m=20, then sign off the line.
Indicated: h=12 m=25
